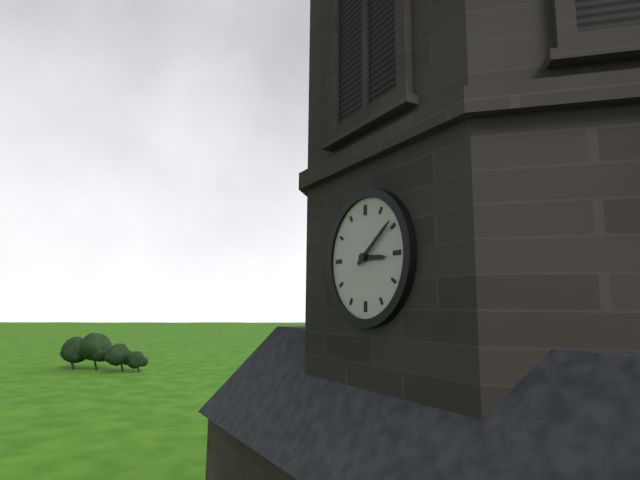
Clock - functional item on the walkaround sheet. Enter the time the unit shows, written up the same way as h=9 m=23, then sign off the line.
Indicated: h=3 m=9
